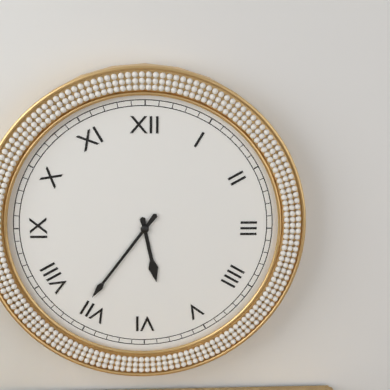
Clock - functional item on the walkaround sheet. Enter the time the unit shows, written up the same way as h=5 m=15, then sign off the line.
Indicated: h=5 m=36
